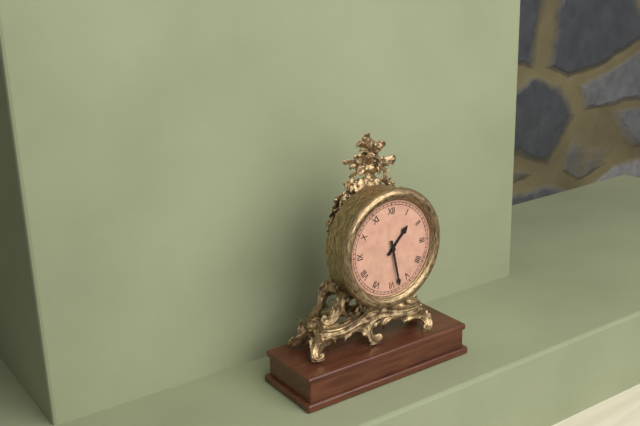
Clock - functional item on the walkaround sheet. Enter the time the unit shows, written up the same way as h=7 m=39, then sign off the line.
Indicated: h=1 m=28
